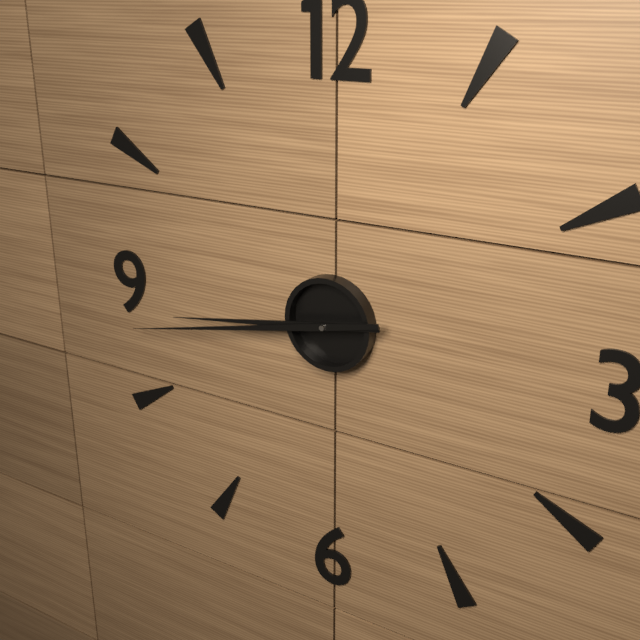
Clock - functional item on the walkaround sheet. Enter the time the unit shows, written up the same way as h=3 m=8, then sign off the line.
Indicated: h=8 m=43
